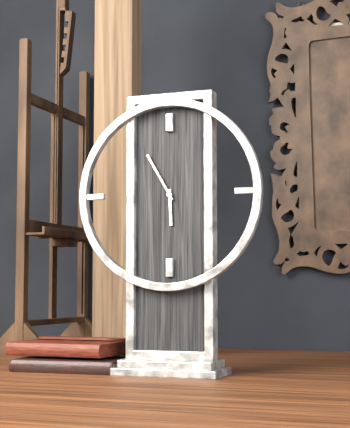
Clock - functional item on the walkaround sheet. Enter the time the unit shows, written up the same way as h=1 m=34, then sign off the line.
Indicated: h=5 m=55
